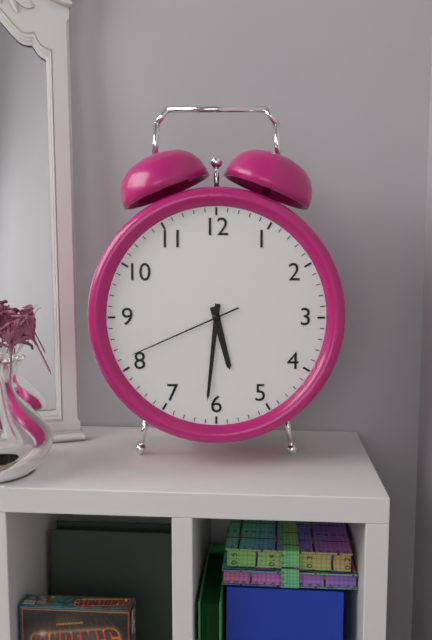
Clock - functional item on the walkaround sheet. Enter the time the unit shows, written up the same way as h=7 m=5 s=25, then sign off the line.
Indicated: h=5 m=31 s=41
